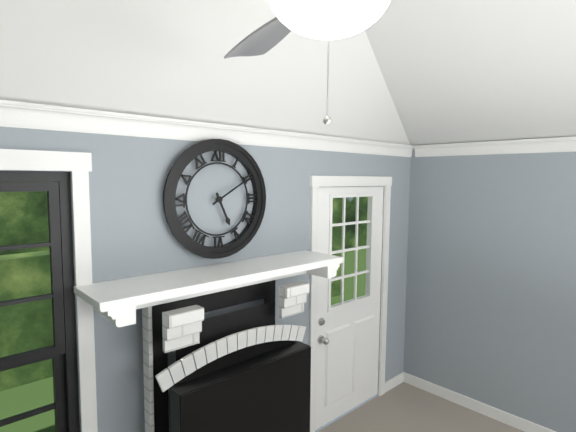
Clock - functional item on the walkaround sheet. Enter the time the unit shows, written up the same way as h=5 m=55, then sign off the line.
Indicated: h=5 m=10
